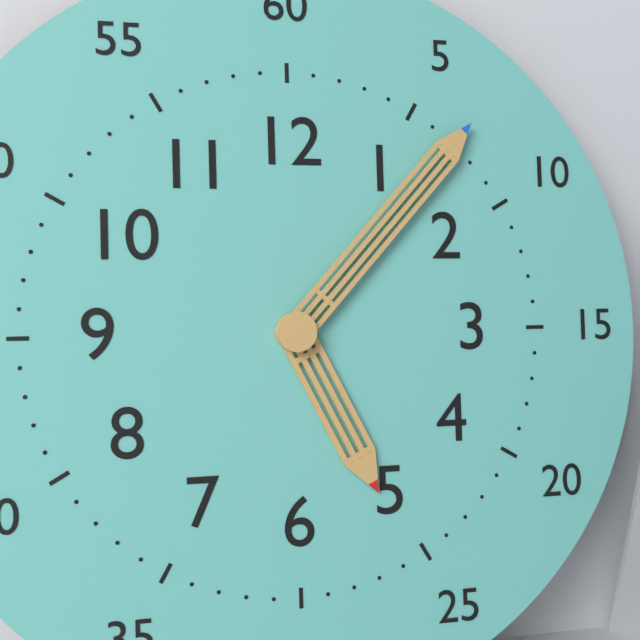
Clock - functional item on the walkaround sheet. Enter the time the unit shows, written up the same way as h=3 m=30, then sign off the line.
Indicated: h=5 m=7
